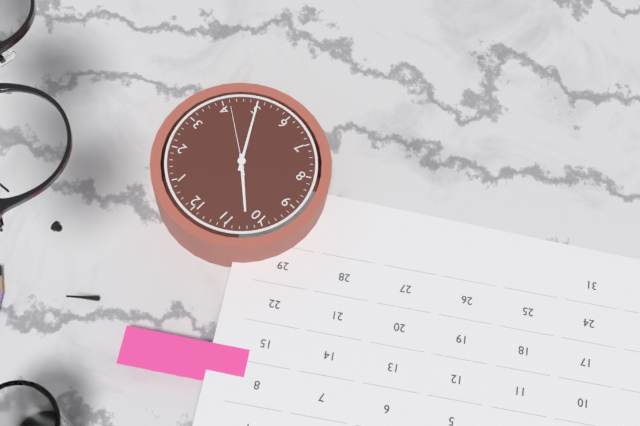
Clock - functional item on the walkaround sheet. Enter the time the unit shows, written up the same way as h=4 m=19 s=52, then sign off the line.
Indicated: h=10 m=25 s=21
